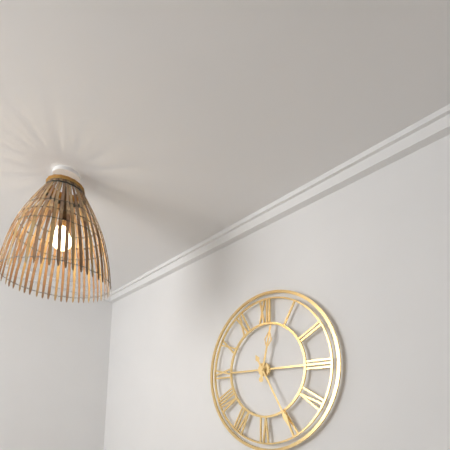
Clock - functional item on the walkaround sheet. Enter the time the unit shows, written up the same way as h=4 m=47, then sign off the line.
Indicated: h=12 m=25
